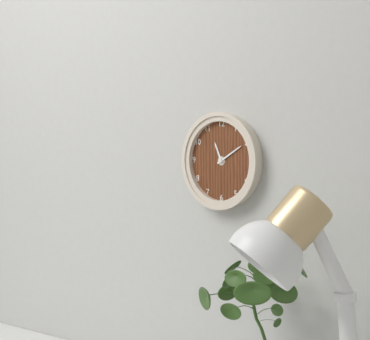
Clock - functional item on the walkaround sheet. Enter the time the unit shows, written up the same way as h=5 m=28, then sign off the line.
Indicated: h=11 m=10
